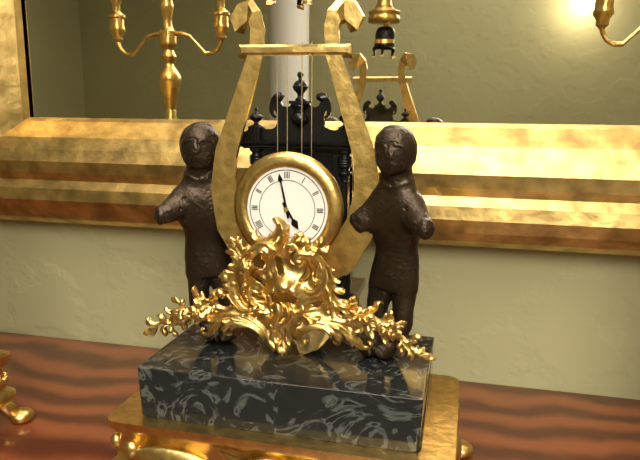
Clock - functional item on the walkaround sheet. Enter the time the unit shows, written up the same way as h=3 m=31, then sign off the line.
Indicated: h=4 m=58
